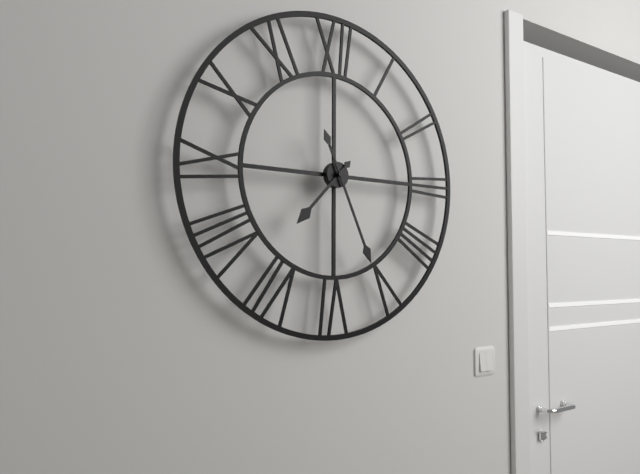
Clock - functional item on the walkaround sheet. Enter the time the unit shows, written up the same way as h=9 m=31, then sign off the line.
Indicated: h=7 m=26
